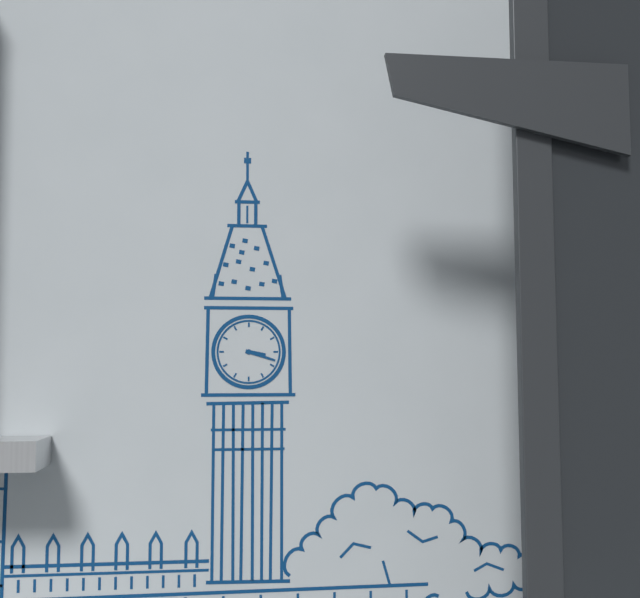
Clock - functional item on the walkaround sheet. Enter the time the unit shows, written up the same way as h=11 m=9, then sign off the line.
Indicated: h=3 m=18
